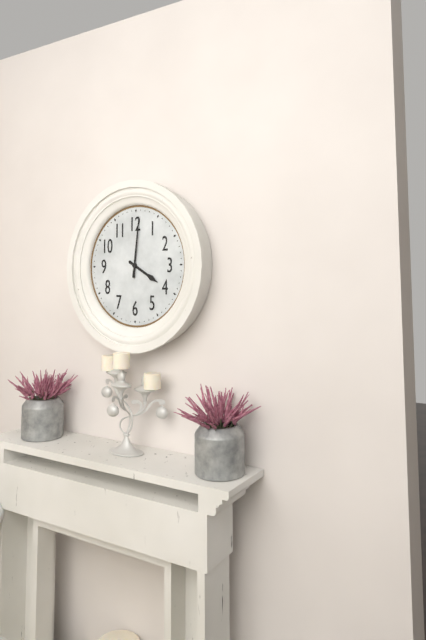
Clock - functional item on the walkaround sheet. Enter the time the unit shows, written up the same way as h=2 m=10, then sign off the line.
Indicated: h=4 m=1
